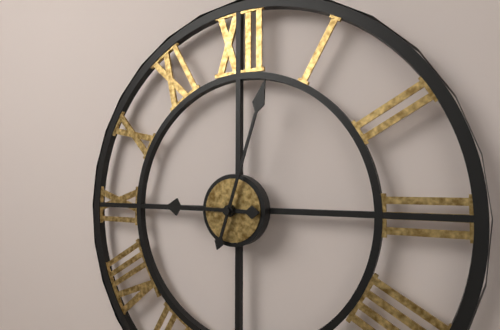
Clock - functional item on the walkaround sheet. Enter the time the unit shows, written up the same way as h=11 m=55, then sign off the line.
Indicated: h=9 m=3
